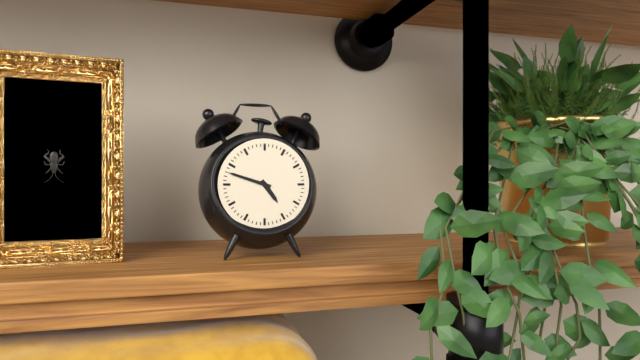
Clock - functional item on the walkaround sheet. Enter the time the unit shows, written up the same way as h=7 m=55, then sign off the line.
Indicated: h=4 m=48
